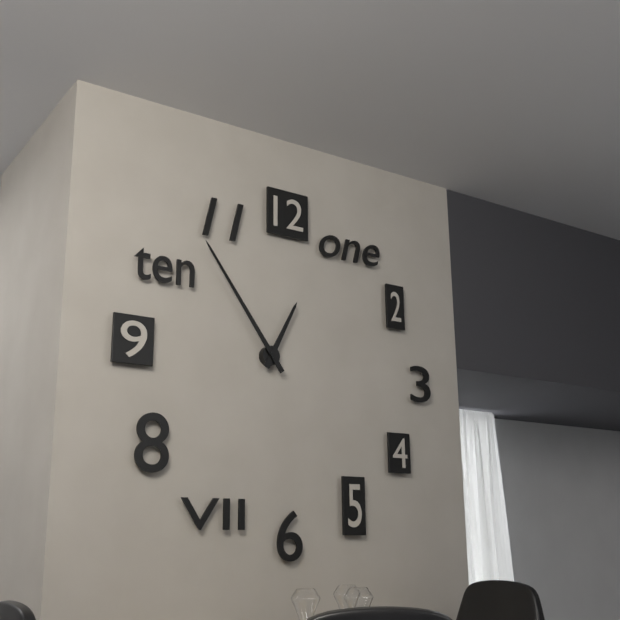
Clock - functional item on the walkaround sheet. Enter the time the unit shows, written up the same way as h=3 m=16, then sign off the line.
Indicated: h=12 m=54
